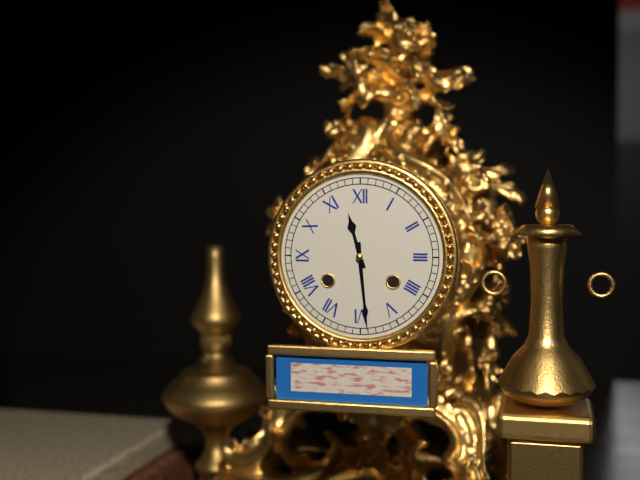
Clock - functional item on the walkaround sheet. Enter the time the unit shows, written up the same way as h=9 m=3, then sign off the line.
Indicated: h=11 m=29
